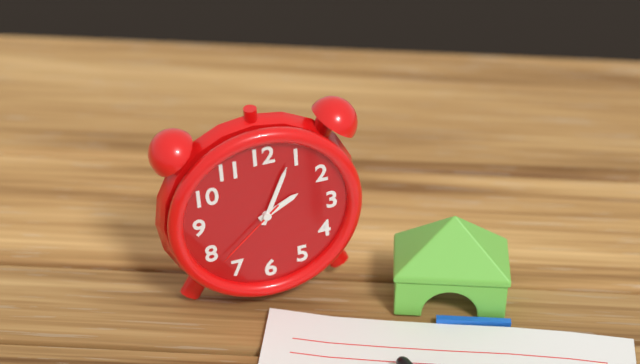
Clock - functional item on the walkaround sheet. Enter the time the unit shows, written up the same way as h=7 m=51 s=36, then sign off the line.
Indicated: h=2 m=4 s=38
